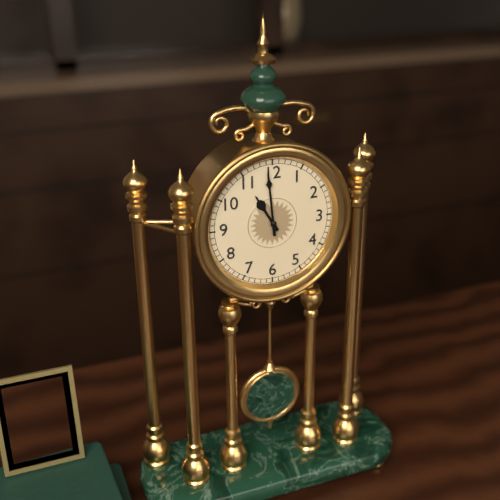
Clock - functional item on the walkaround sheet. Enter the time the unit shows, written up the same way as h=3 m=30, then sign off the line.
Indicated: h=10 m=59
